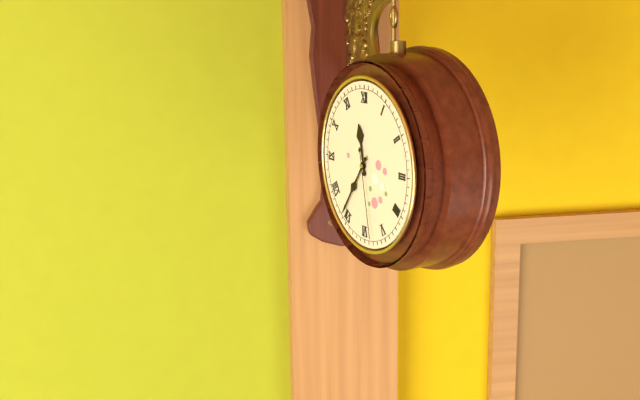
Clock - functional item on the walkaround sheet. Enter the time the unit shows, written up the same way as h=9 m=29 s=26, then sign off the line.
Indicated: h=11 m=36 s=28
